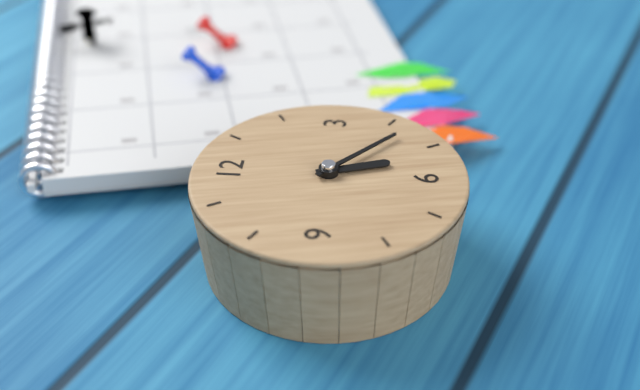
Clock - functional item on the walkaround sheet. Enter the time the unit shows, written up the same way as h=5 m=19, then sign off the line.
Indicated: h=5 m=22
